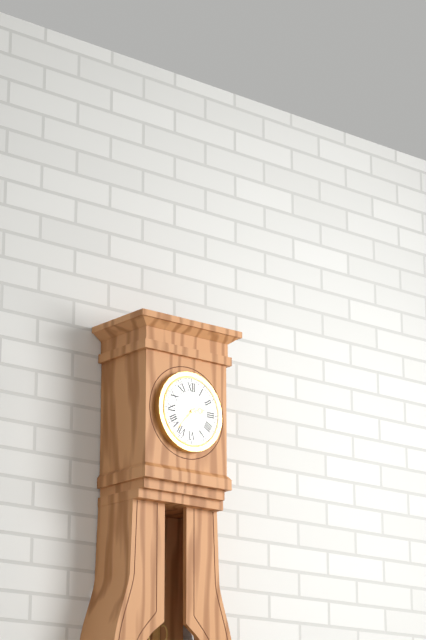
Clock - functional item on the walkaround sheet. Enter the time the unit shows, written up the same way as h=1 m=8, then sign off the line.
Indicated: h=2 m=37
